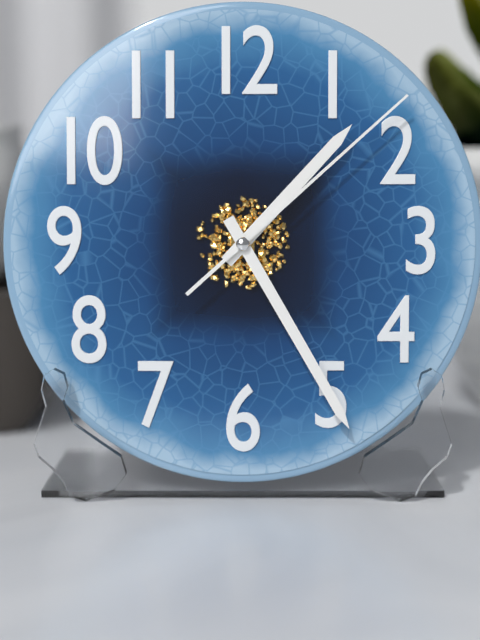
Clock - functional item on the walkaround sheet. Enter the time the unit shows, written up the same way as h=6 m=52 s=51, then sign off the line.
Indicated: h=1 m=25 s=8
